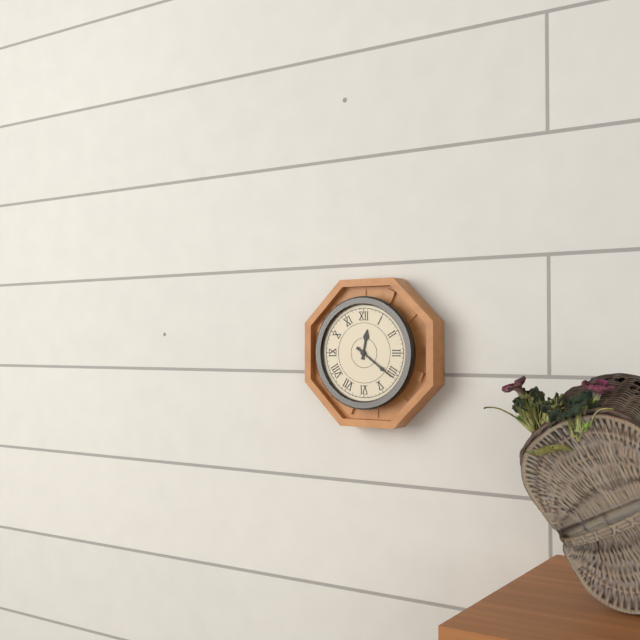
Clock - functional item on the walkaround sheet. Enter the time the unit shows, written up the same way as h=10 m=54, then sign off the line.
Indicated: h=12 m=21
